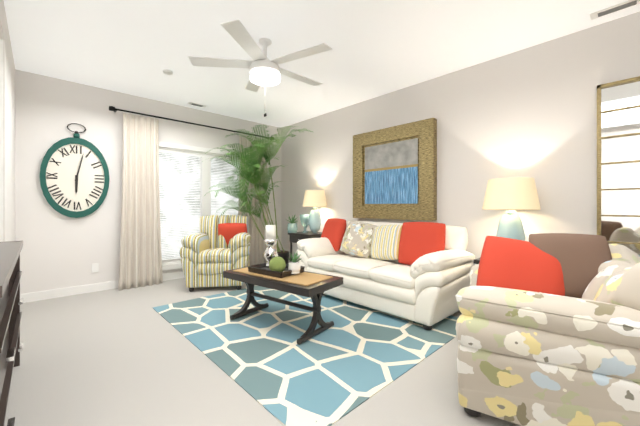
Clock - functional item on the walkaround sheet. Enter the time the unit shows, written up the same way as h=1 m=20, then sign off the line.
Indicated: h=6 m=2
